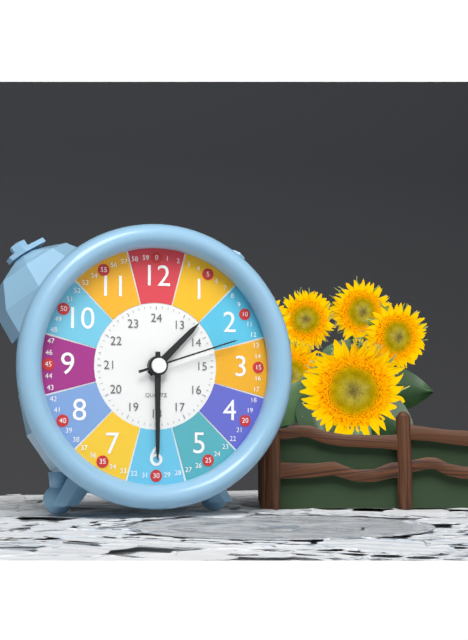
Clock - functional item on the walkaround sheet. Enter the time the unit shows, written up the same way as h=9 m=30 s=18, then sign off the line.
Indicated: h=1 m=30 s=12
